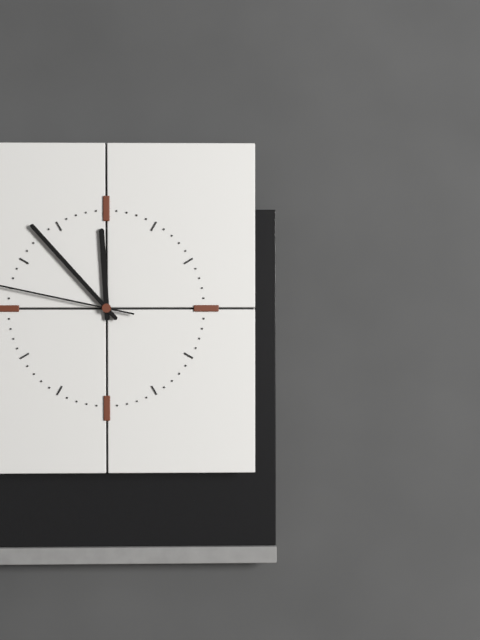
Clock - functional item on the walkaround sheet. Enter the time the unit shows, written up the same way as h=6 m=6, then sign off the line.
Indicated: h=11 m=53
